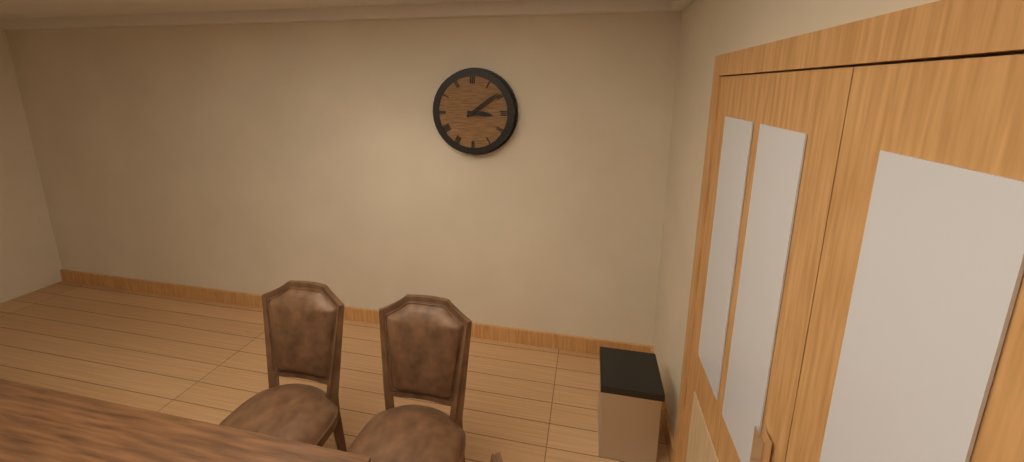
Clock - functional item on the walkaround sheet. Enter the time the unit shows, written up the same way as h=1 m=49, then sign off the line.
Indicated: h=3 m=9
